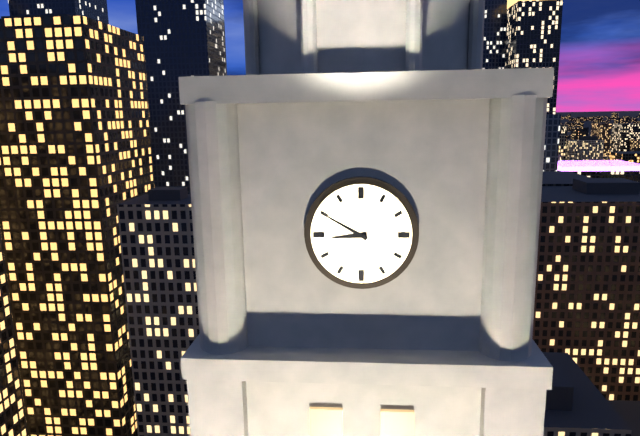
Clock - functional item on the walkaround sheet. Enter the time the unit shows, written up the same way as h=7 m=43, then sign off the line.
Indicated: h=8 m=50
